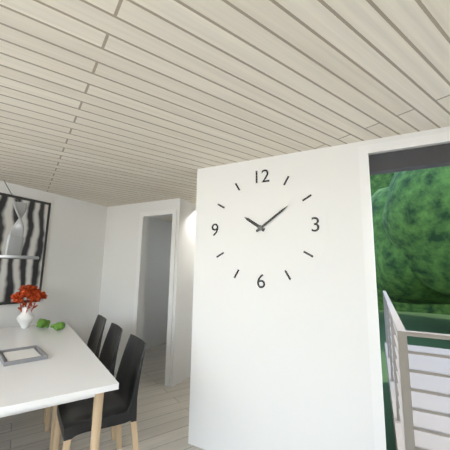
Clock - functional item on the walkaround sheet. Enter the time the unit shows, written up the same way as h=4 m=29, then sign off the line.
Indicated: h=10 m=9
